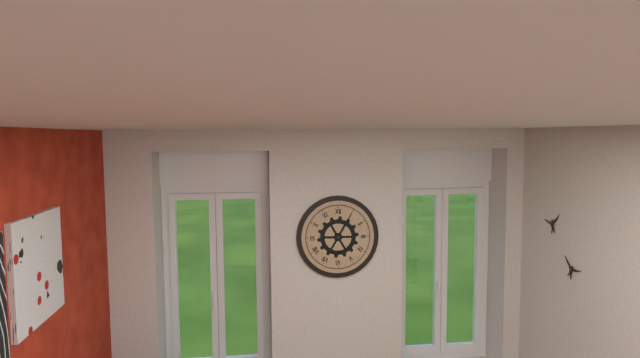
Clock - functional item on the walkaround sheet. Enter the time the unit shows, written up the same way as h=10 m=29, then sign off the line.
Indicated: h=9 m=5
